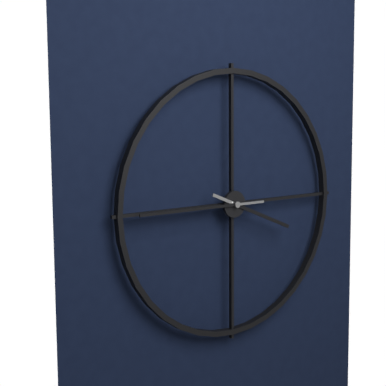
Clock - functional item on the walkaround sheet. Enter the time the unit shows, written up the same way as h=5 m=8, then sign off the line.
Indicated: h=3 m=45
